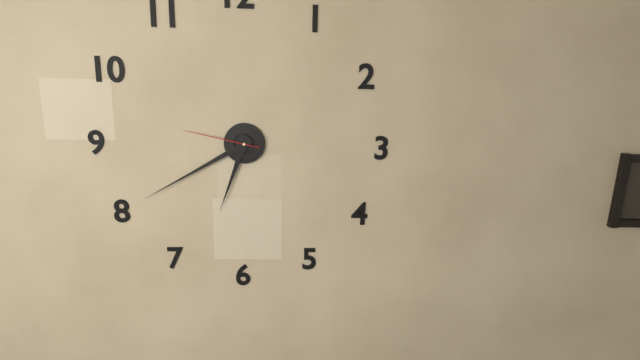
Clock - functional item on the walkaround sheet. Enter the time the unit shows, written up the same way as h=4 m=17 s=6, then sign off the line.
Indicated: h=6 m=40 s=47
